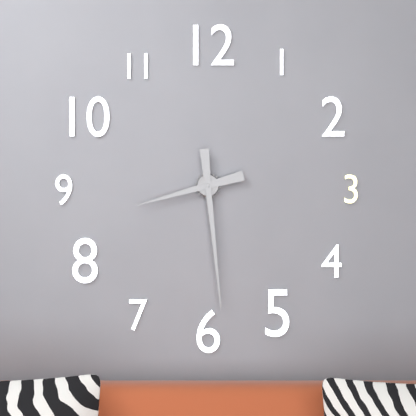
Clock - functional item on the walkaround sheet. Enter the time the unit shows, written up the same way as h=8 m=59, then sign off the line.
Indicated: h=8 m=29
